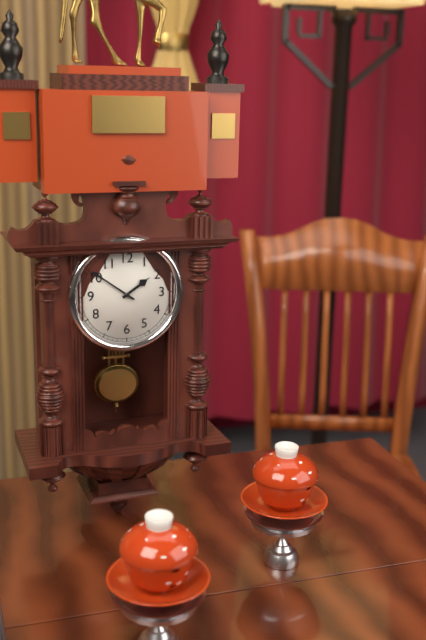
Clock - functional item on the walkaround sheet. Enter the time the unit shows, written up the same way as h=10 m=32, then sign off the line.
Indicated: h=1 m=51
